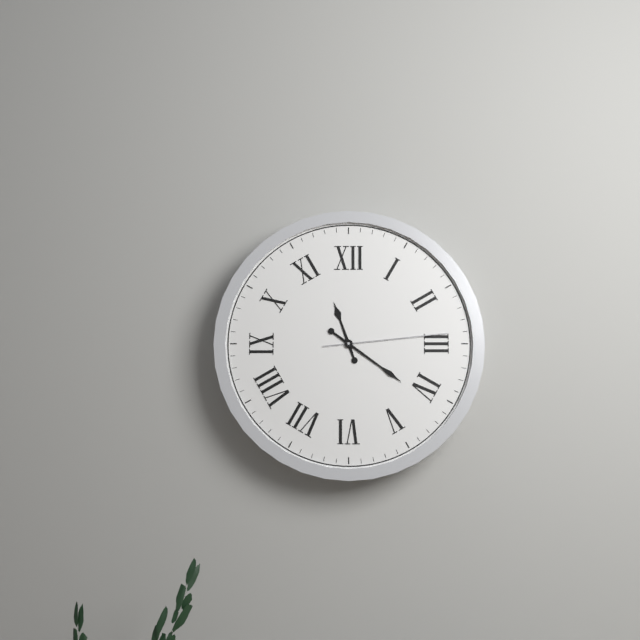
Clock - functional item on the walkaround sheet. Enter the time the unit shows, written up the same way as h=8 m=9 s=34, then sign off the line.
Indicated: h=11 m=21 s=14
